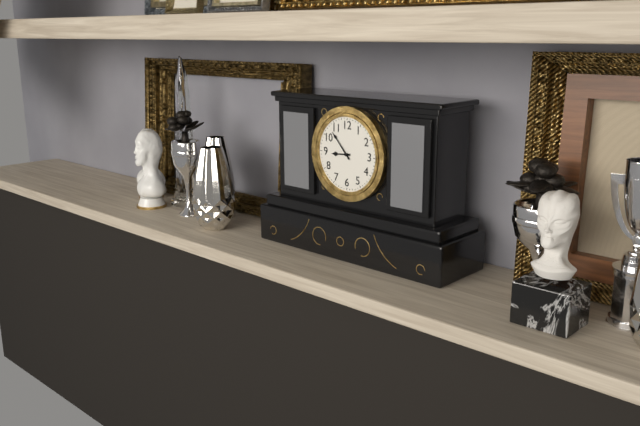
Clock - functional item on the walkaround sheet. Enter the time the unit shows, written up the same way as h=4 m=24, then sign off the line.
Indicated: h=8 m=53
